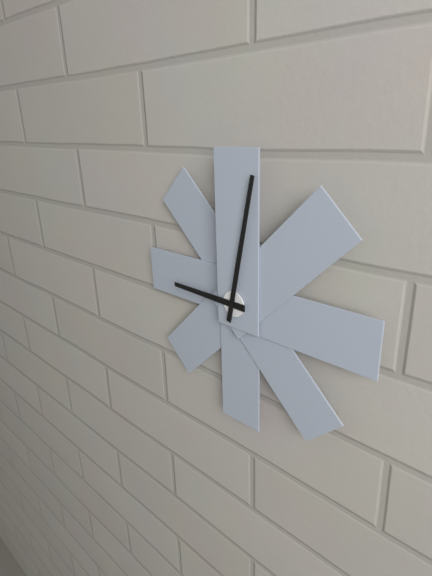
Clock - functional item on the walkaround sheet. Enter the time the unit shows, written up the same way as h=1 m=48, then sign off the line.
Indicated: h=9 m=2
